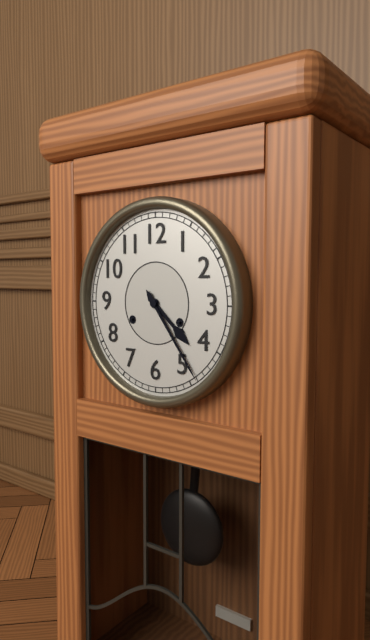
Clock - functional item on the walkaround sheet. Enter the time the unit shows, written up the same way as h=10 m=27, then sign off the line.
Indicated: h=4 m=24
